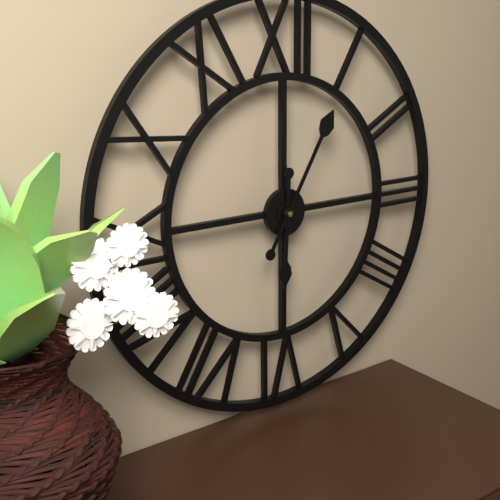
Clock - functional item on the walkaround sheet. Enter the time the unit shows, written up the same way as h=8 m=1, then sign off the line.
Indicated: h=6 m=5
